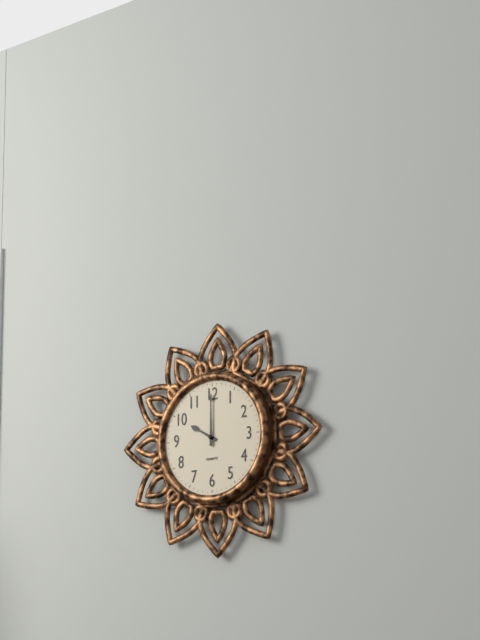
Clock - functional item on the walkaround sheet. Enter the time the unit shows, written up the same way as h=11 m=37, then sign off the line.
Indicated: h=10 m=0
